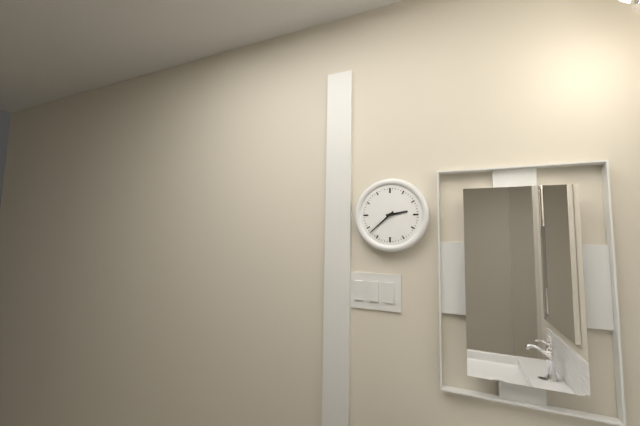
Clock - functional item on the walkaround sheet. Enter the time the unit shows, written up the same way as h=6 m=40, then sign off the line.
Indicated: h=2 m=38
